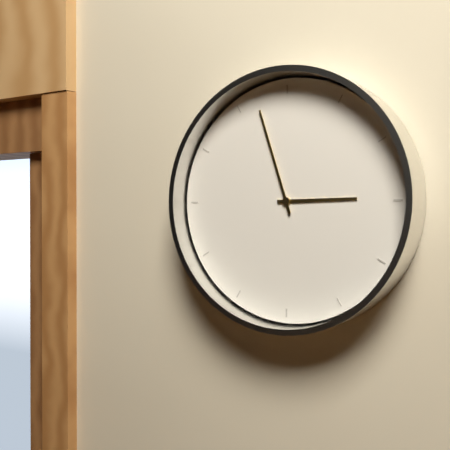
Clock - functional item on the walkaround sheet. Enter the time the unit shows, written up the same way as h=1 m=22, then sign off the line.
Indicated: h=2 m=57
